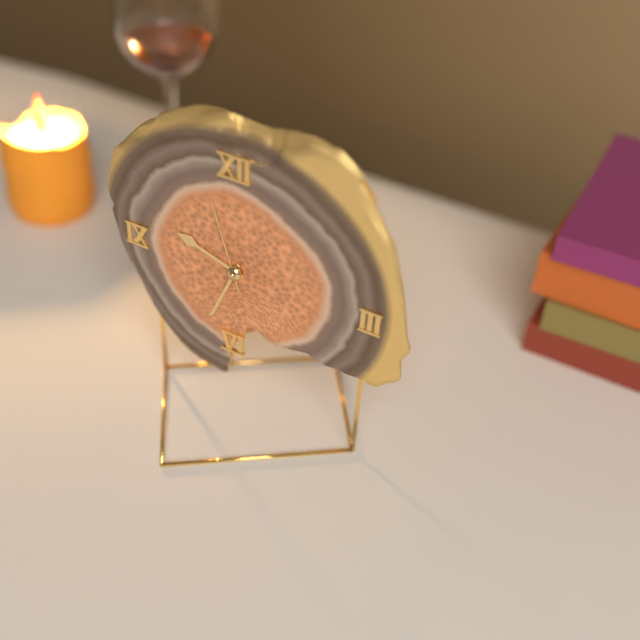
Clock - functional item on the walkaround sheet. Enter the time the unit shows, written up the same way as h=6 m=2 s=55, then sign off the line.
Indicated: h=9 m=34 s=57
